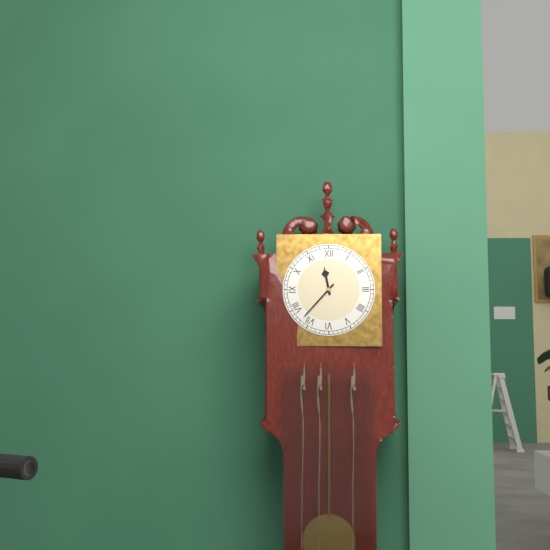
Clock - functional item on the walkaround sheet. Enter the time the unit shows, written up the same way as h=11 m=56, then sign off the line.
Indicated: h=11 m=37
